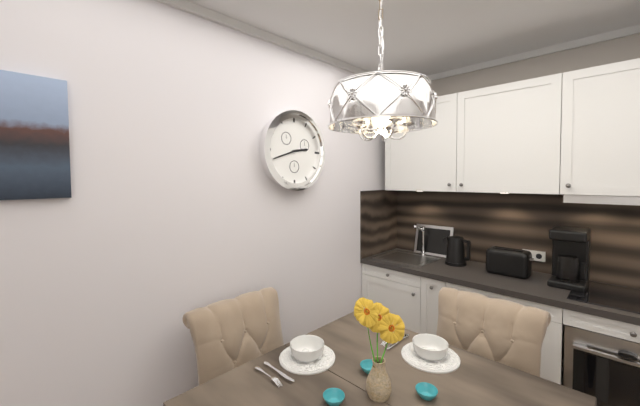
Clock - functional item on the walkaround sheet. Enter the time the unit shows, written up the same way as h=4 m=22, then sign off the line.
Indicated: h=2 m=42
